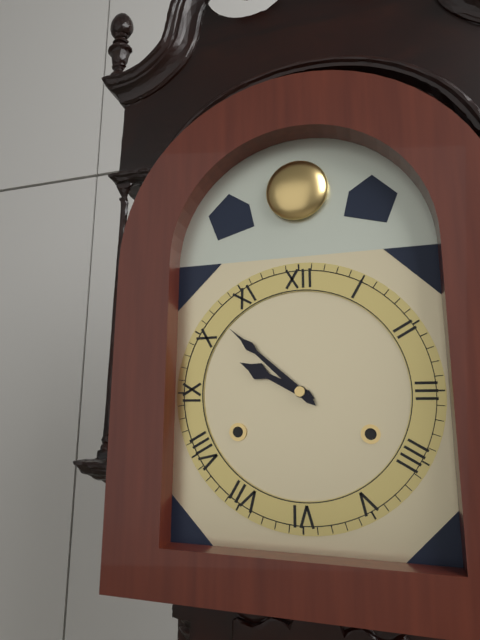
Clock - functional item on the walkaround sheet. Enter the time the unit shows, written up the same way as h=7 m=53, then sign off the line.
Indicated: h=9 m=52
